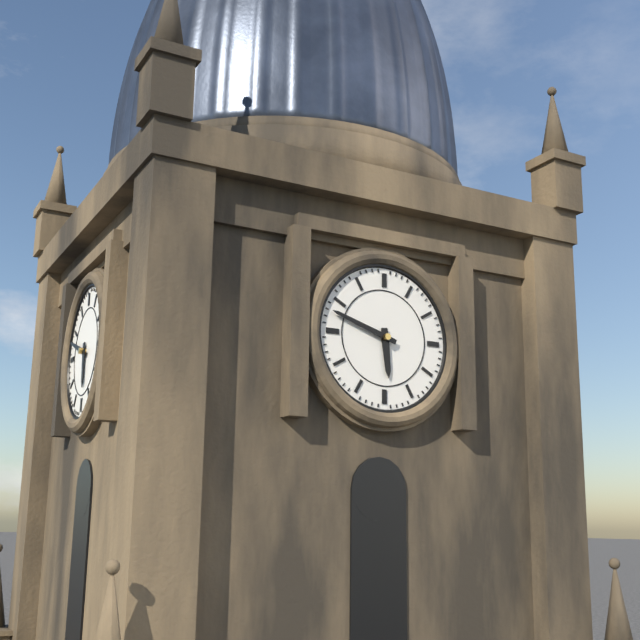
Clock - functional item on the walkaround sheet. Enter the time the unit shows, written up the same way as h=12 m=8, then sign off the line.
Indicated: h=5 m=48
